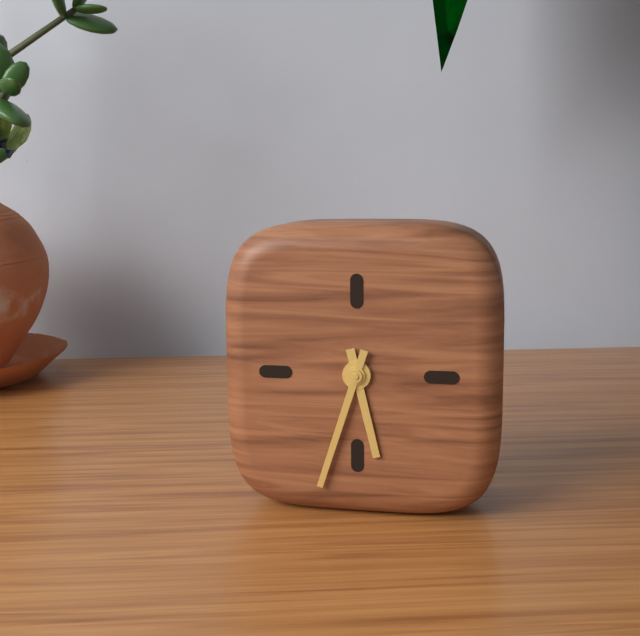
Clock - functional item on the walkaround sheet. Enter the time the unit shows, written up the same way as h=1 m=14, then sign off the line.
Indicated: h=5 m=33
